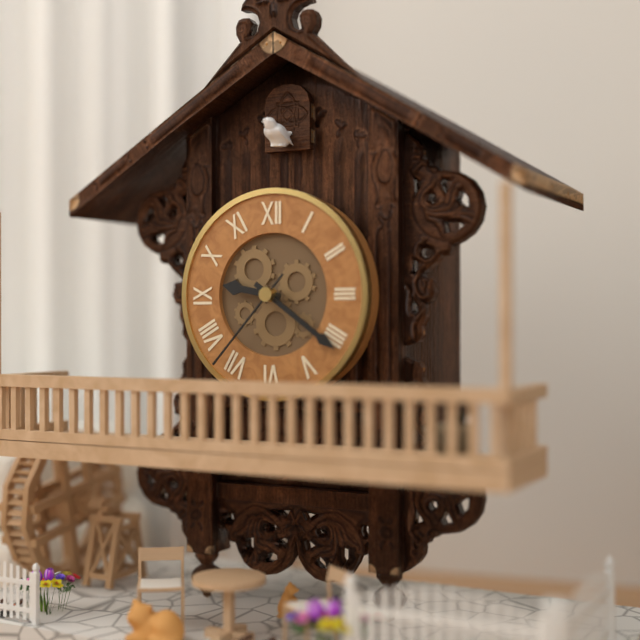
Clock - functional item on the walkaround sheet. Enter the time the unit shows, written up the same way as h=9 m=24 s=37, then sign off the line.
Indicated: h=9 m=21 s=37
